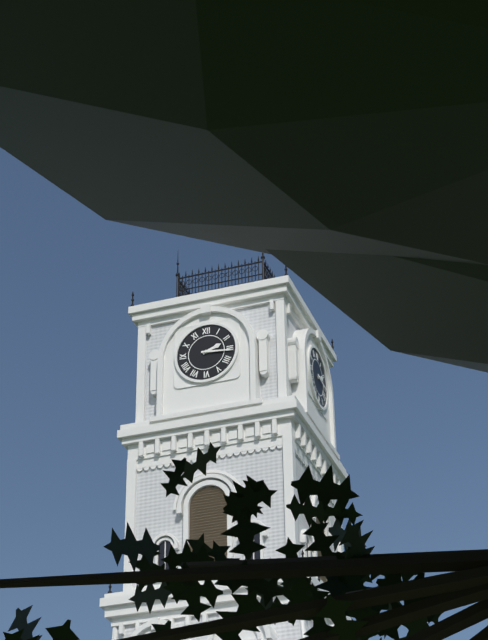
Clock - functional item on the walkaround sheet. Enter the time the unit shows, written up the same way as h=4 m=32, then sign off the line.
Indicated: h=2 m=16
